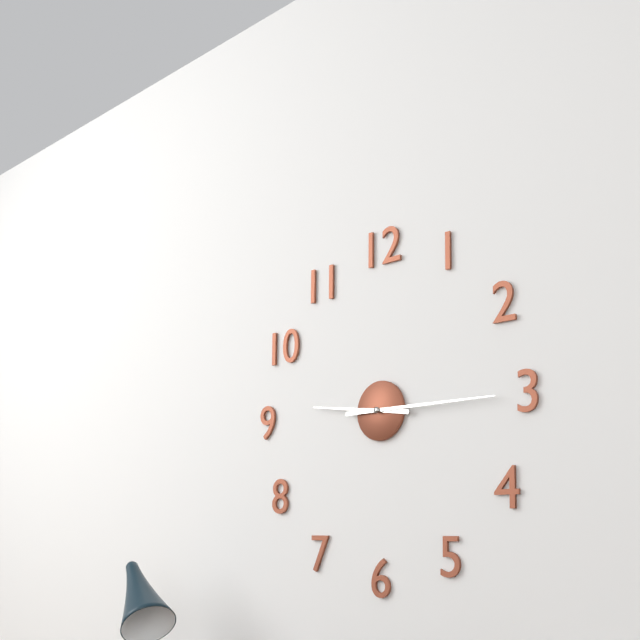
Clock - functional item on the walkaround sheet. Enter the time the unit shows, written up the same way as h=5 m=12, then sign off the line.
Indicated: h=9 m=15
